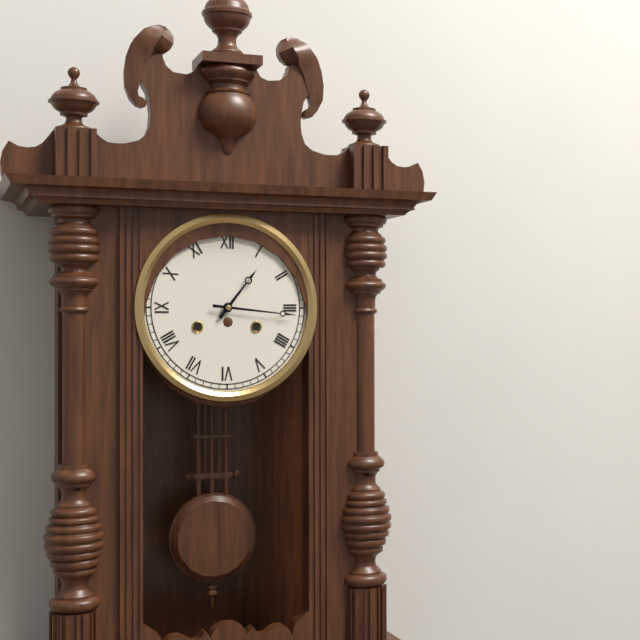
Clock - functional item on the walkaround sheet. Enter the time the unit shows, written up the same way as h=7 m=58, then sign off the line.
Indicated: h=1 m=16
